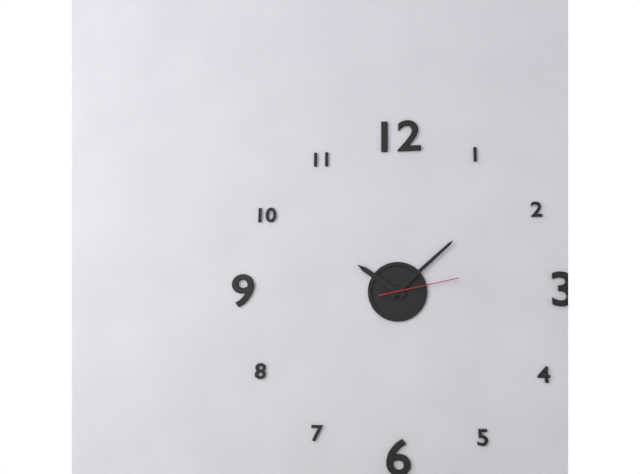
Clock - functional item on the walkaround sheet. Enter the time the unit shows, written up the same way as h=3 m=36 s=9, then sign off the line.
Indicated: h=10 m=8 s=13
